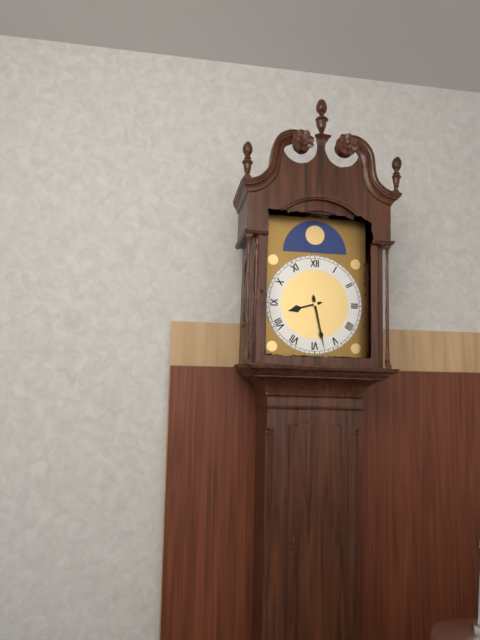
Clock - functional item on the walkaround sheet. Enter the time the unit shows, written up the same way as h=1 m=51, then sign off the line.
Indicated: h=8 m=28
